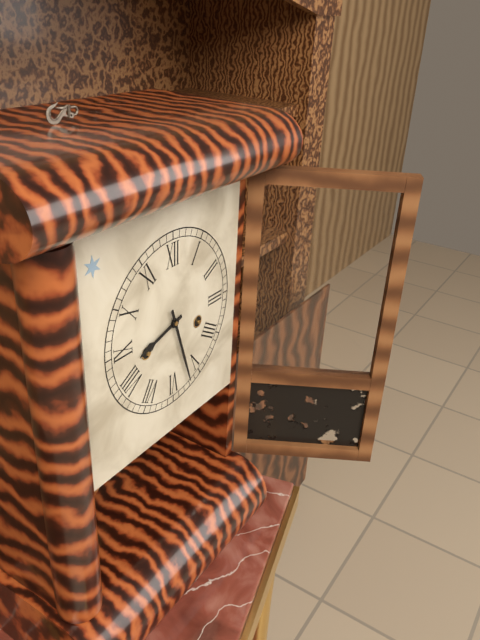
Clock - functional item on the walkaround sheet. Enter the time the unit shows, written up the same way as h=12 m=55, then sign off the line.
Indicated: h=8 m=27
